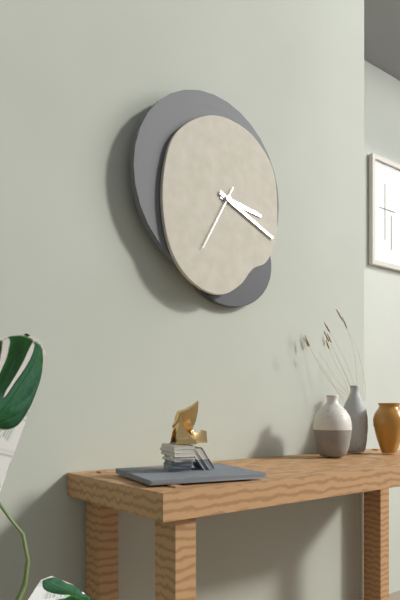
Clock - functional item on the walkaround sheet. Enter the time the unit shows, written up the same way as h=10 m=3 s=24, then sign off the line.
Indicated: h=3 m=19 s=35
